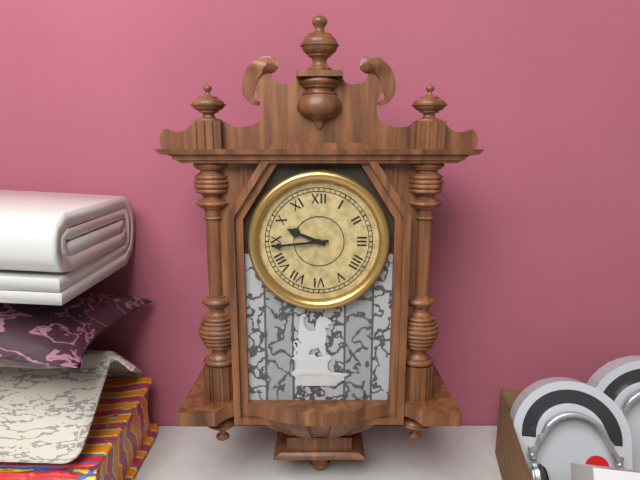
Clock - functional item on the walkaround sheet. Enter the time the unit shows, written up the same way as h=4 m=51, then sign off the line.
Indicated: h=9 m=44
